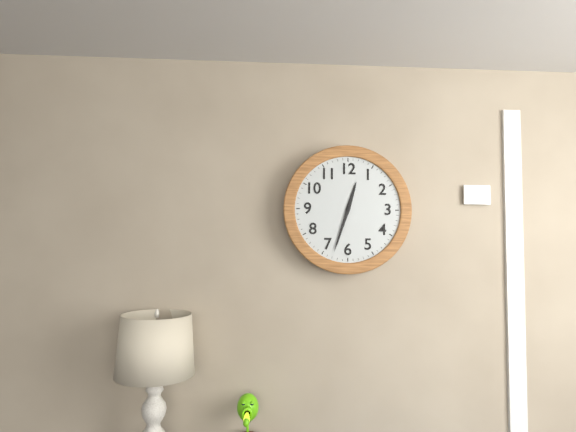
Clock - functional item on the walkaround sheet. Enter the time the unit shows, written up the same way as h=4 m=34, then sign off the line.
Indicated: h=12 m=33
